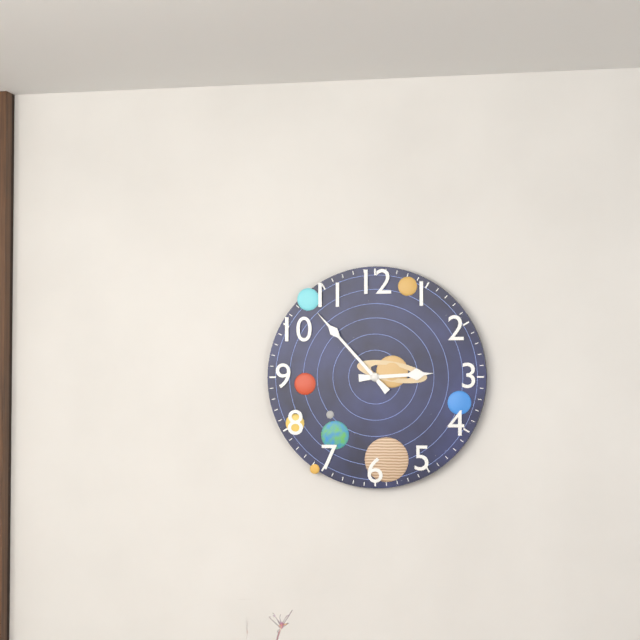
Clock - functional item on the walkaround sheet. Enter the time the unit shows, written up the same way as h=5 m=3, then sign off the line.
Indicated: h=2 m=53
